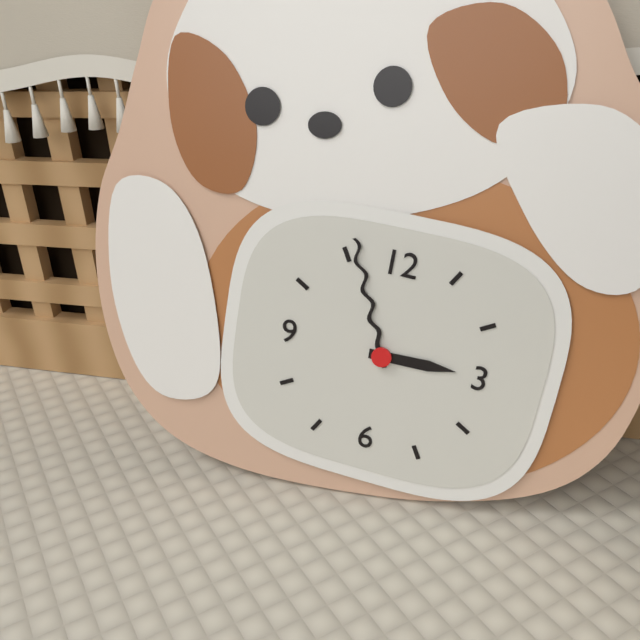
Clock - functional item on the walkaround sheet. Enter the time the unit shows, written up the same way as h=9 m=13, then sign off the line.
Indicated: h=2 m=56
